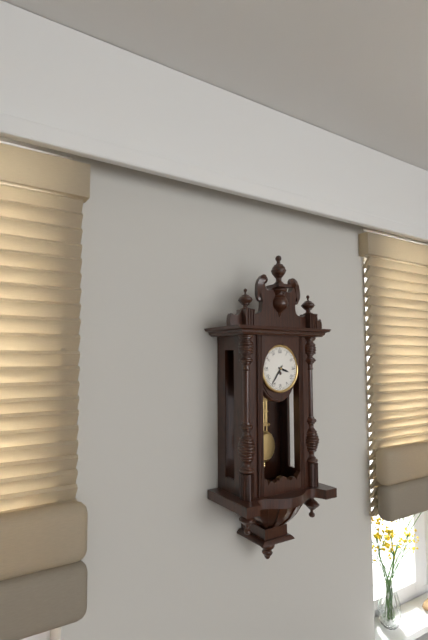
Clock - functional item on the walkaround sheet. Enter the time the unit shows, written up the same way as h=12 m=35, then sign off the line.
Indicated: h=3 m=36
